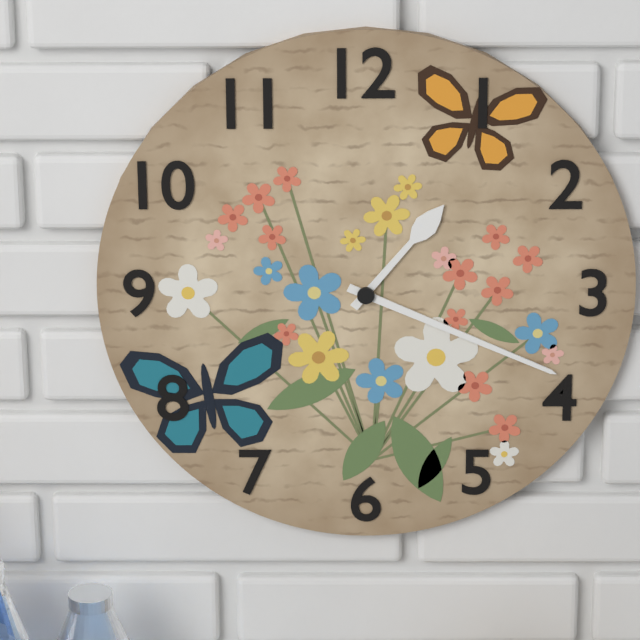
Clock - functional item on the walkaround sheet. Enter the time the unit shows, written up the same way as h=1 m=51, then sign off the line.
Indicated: h=1 m=19
